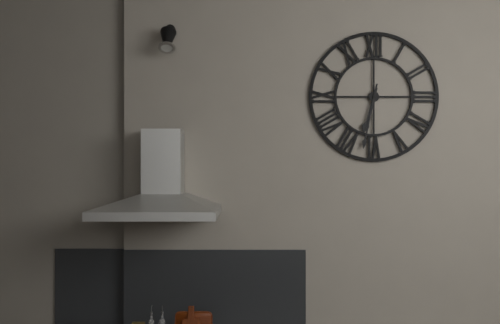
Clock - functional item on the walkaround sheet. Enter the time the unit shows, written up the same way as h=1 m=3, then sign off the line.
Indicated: h=6 m=32
